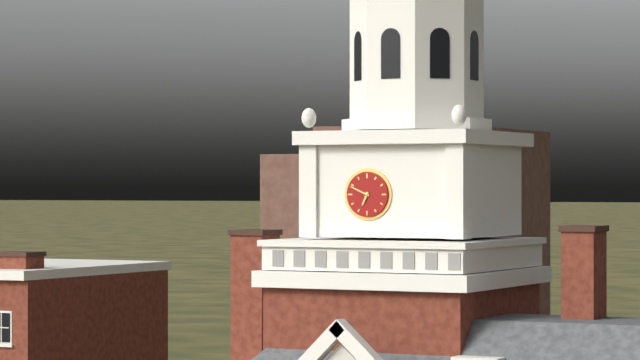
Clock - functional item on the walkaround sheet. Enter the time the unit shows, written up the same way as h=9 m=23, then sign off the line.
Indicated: h=6 m=49
